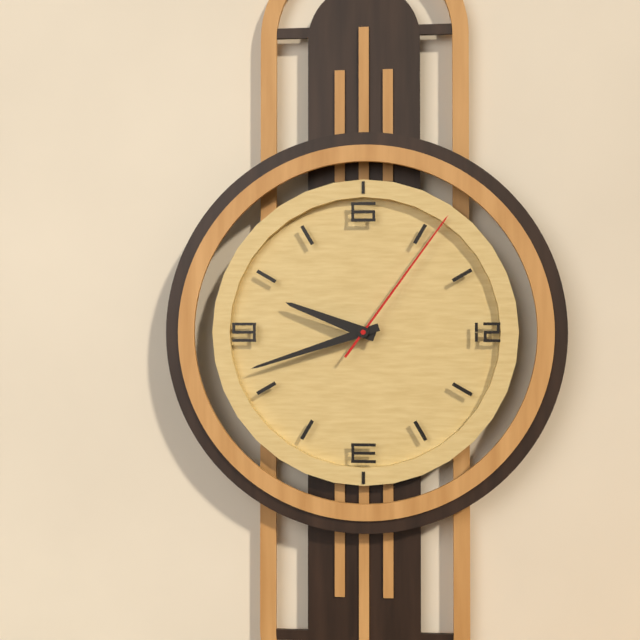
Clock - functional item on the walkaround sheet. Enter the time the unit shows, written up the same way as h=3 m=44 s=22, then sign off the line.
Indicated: h=9 m=42 s=6
